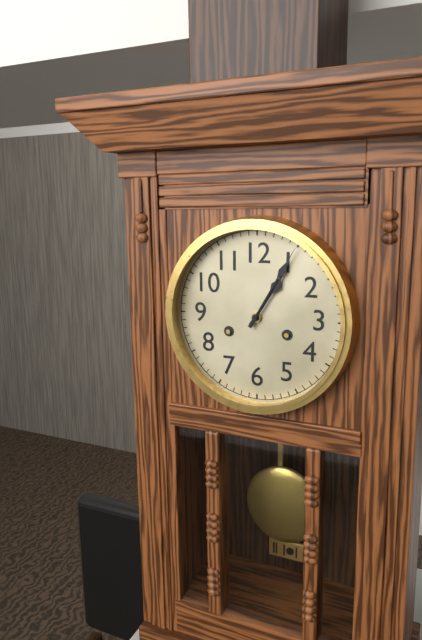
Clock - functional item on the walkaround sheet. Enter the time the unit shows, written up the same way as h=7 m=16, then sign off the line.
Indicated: h=1 m=5
